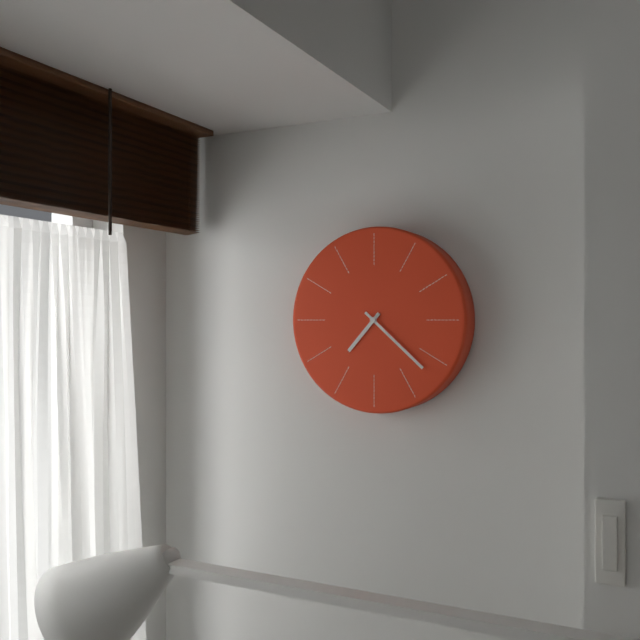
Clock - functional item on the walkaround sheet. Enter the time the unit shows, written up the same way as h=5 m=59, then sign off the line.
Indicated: h=7 m=22
